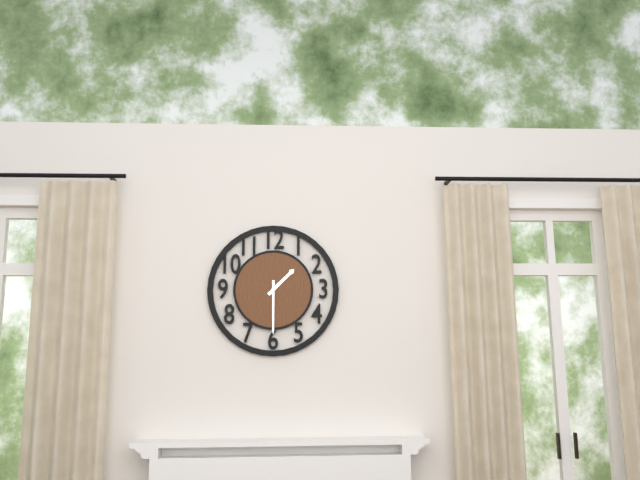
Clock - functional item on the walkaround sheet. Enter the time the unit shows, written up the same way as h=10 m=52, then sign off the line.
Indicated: h=1 m=30
